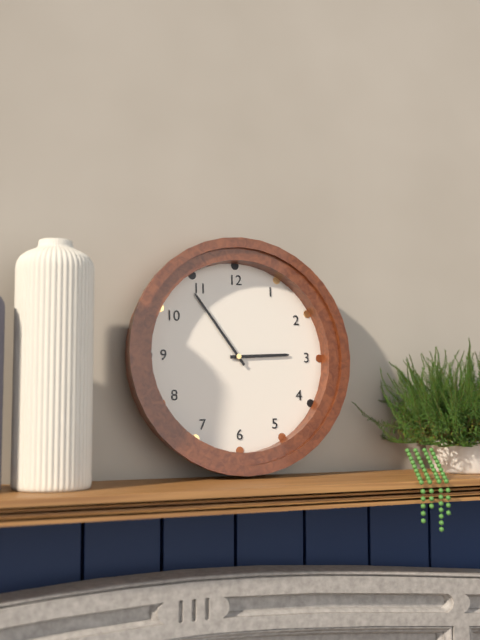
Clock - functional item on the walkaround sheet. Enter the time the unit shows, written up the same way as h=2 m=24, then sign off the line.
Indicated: h=2 m=54
